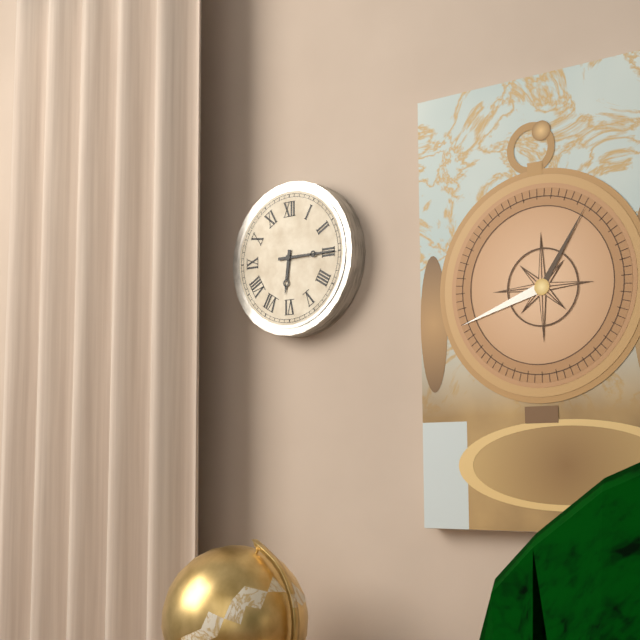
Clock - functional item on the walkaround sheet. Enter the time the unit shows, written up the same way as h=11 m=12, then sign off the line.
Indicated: h=6 m=15
